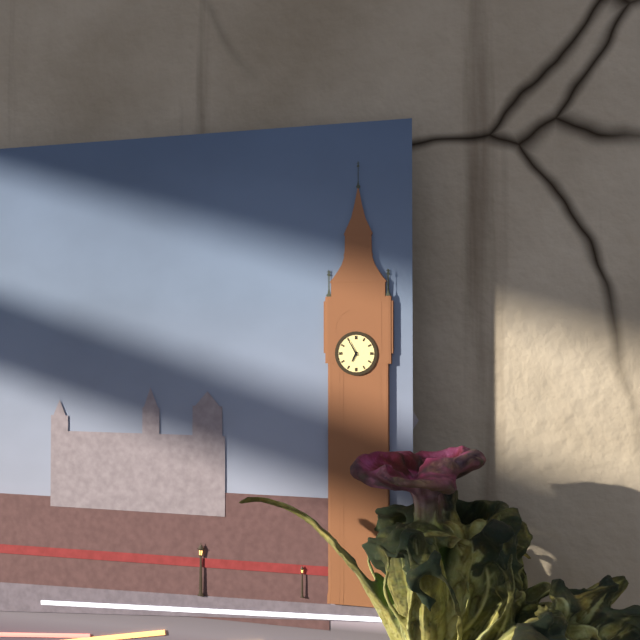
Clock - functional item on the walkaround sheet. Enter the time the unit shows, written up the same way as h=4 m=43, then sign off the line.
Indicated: h=6 m=55
